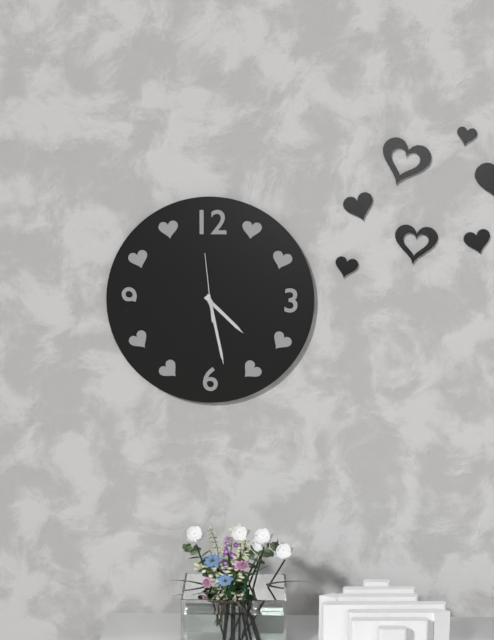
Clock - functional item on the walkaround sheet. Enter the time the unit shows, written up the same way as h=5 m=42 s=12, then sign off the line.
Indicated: h=4 m=28 s=59
